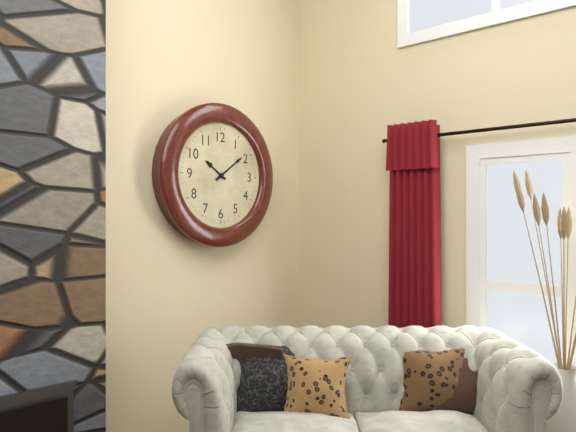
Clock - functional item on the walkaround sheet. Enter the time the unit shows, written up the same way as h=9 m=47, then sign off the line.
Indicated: h=10 m=9
